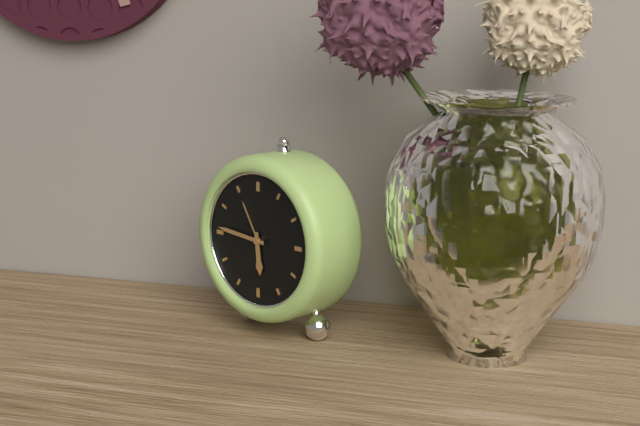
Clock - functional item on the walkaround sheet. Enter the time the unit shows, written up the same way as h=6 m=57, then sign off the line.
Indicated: h=5 m=46
